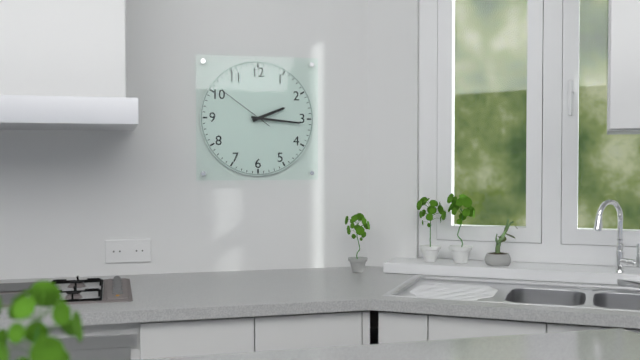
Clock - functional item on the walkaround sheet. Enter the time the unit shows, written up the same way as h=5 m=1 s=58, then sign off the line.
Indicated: h=2 m=16 s=51
